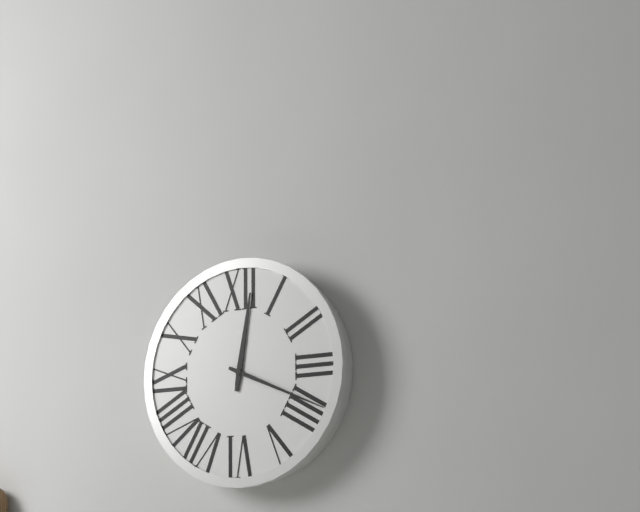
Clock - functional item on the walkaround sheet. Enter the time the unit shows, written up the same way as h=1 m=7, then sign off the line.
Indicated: h=12 m=19
